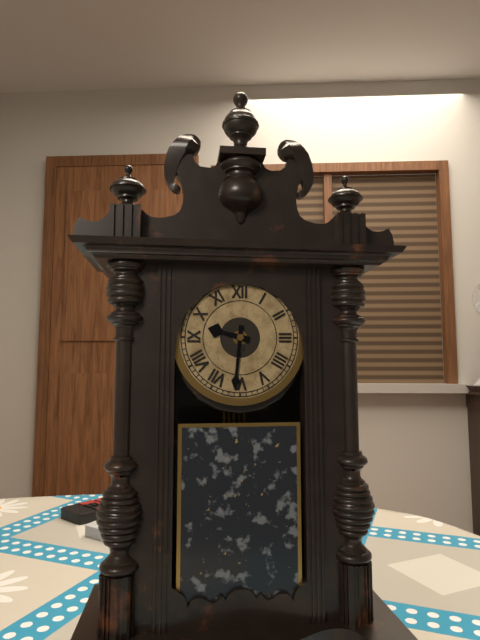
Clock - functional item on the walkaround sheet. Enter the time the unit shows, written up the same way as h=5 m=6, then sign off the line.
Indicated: h=9 m=31
